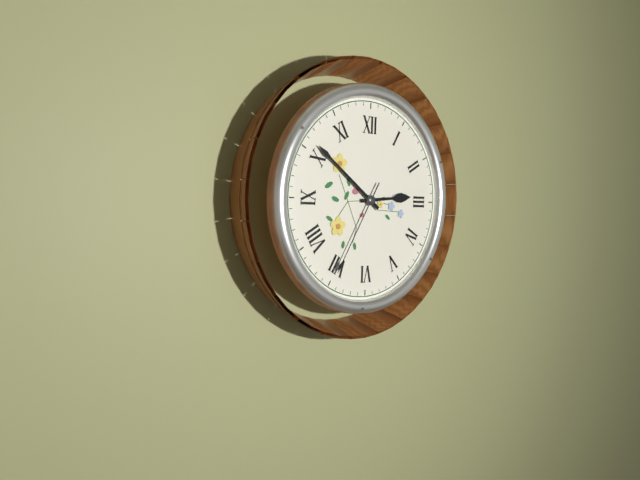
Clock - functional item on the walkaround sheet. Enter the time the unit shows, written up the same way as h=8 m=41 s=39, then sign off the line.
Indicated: h=2 m=51 s=35
